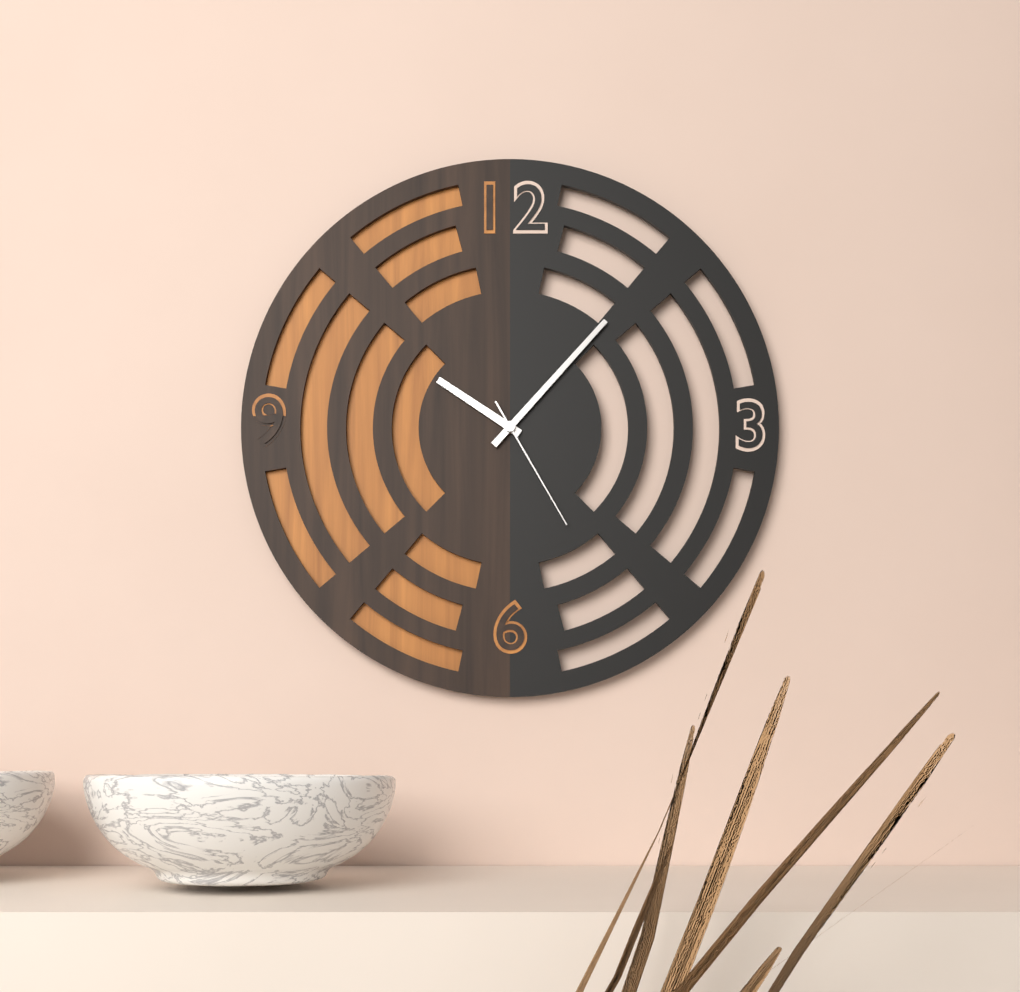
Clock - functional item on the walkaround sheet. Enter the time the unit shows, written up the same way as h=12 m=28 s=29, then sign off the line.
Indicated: h=10 m=7 s=25
